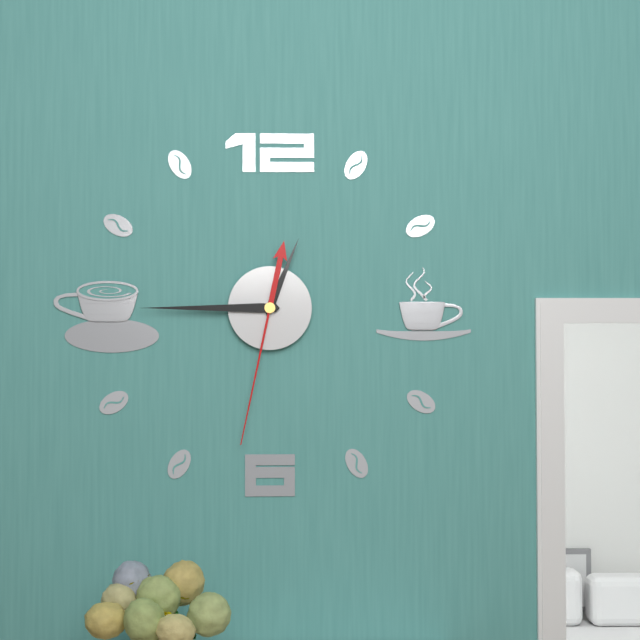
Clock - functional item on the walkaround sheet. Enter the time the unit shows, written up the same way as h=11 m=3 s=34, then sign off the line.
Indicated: h=12 m=45 s=32
